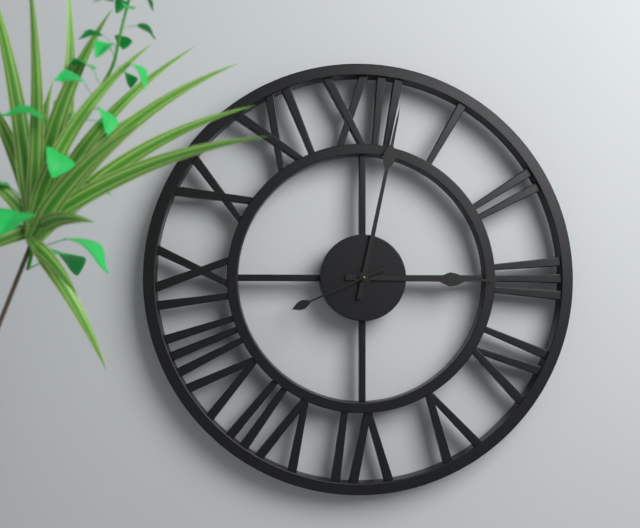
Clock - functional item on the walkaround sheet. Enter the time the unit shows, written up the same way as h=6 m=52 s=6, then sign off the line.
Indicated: h=3 m=2 s=41
